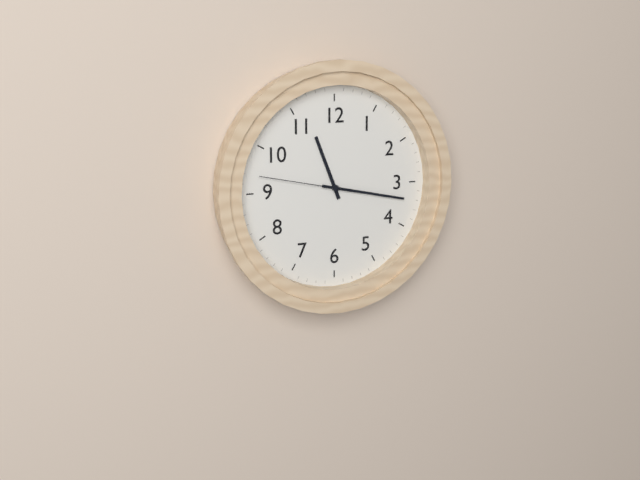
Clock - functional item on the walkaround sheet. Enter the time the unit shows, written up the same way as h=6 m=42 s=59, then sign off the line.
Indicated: h=11 m=17 s=47
